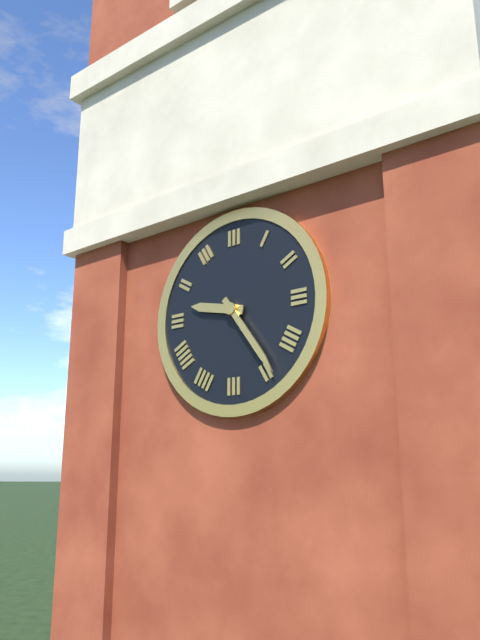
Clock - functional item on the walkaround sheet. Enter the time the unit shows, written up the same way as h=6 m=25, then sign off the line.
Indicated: h=9 m=24
